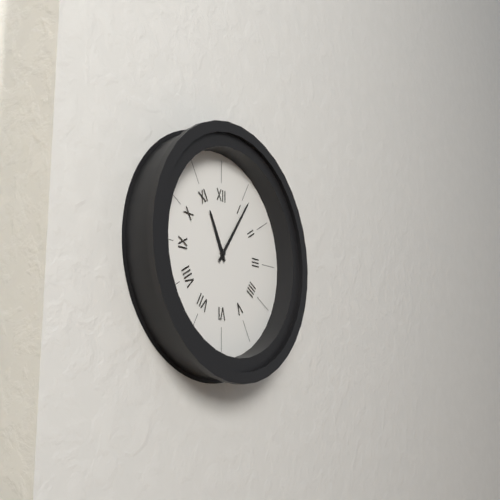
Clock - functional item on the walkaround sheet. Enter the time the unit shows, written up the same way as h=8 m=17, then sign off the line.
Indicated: h=11 m=6
